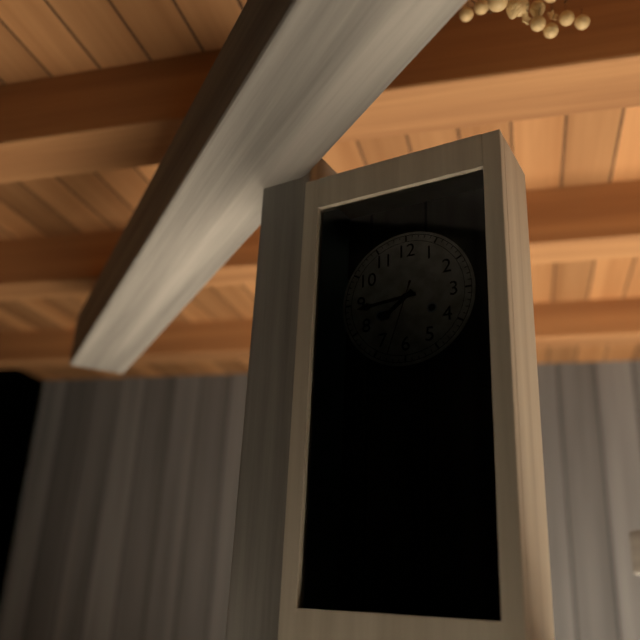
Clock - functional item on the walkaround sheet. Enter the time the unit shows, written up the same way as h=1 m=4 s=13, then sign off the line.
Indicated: h=7 m=44 s=33
